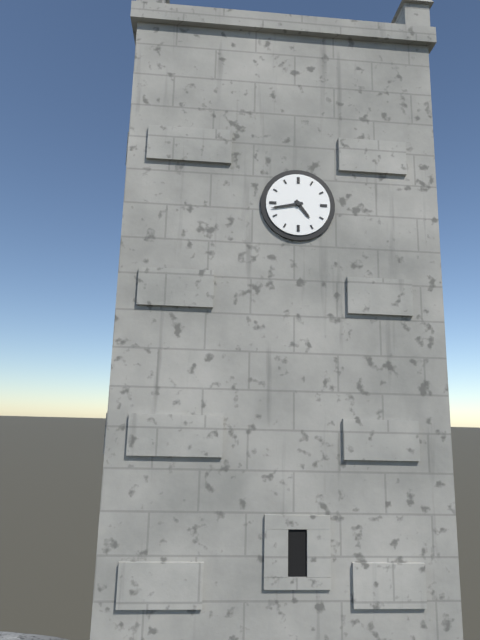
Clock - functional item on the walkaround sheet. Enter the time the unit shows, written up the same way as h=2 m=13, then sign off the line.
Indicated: h=4 m=43
